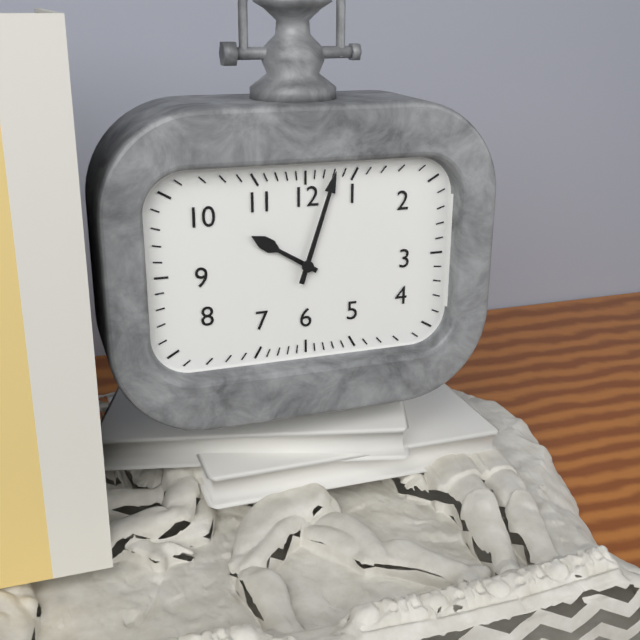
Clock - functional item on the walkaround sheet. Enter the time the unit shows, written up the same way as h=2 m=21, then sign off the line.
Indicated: h=10 m=3
